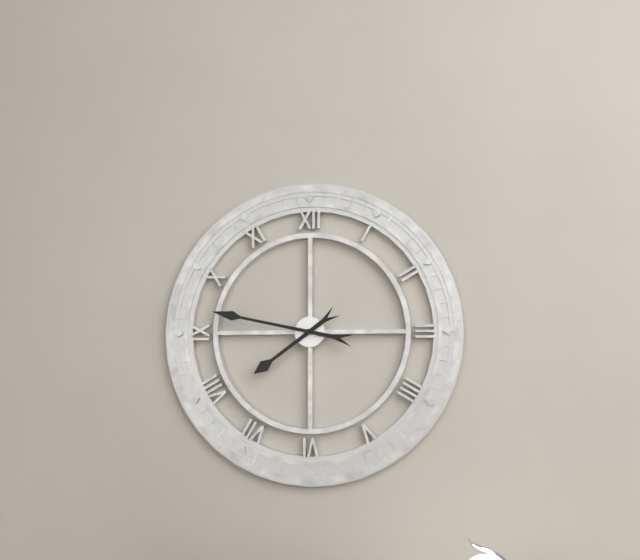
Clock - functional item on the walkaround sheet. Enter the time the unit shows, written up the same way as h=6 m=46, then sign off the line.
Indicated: h=7 m=47
